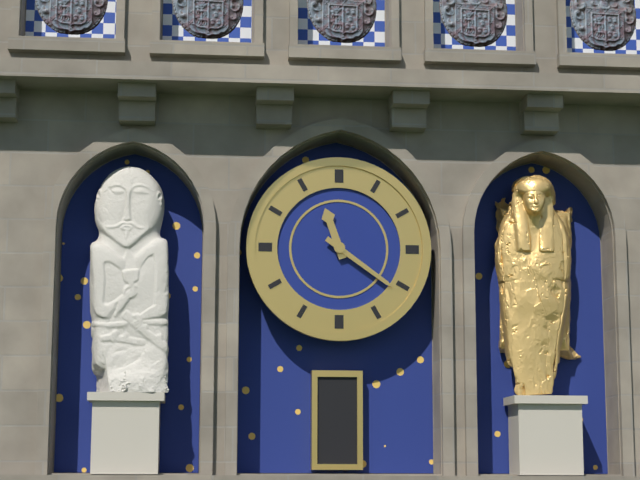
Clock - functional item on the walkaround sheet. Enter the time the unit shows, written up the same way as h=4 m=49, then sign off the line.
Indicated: h=11 m=21
